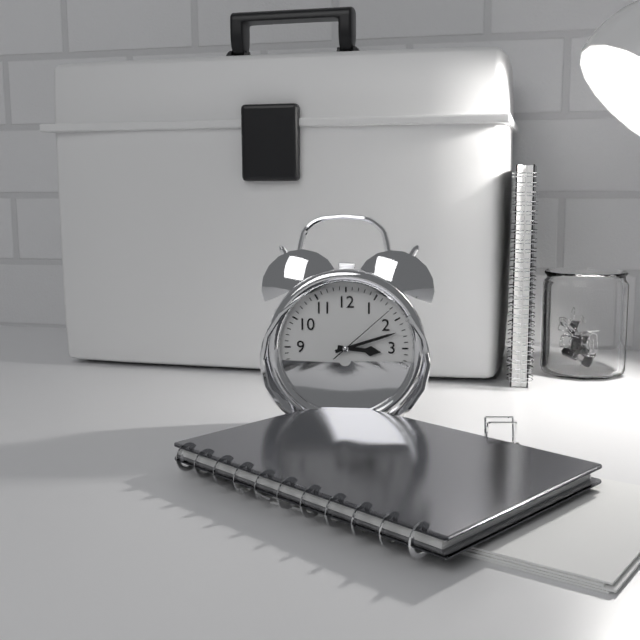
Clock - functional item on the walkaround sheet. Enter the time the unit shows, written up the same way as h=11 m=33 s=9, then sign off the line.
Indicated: h=3 m=12 s=8
